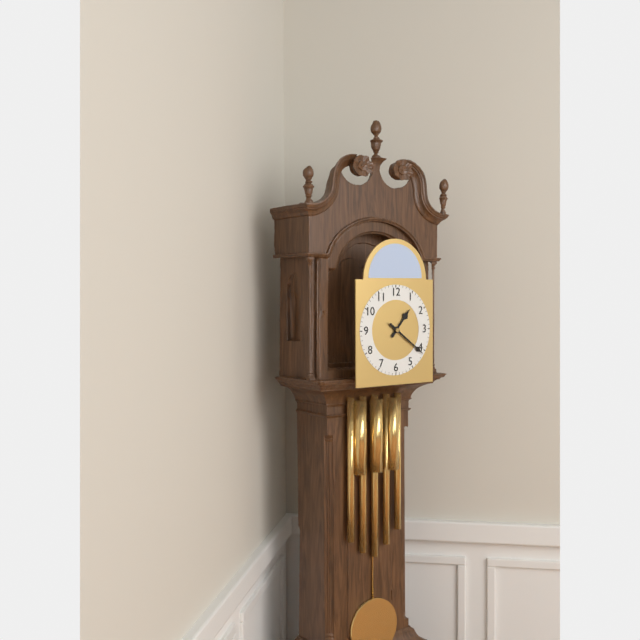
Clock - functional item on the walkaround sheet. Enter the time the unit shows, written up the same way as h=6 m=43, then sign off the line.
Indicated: h=1 m=21
